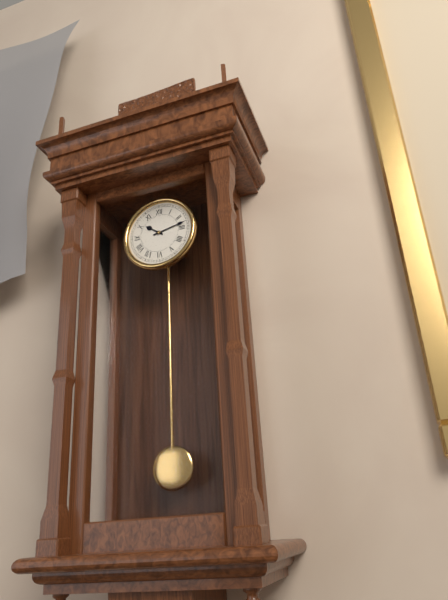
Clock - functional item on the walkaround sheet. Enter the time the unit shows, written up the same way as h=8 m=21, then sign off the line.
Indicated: h=10 m=13
